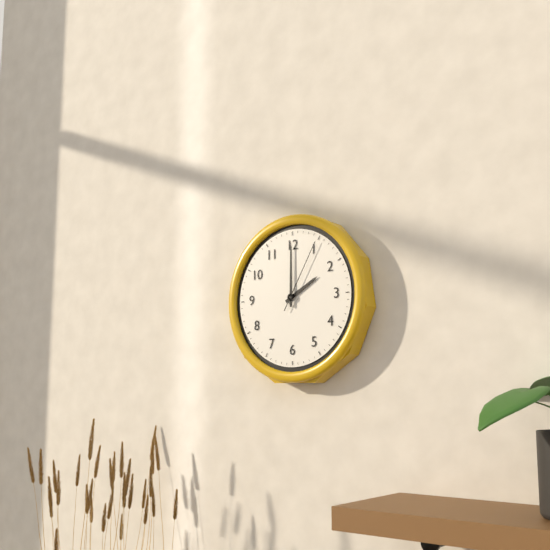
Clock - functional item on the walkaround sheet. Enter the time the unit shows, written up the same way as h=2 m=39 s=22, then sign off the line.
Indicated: h=2 m=0 s=5
